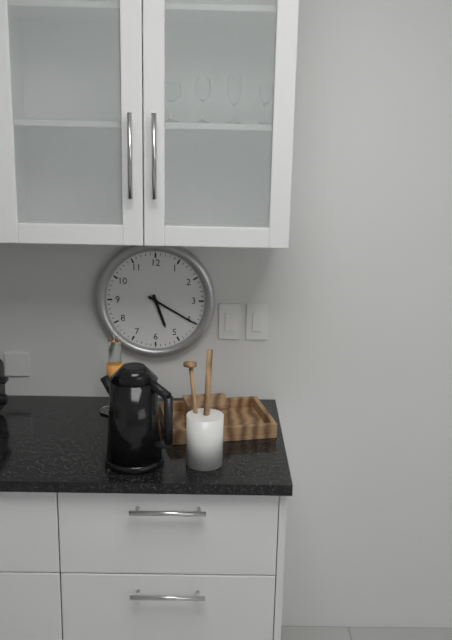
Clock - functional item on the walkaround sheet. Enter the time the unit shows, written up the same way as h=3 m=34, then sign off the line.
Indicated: h=5 m=20
